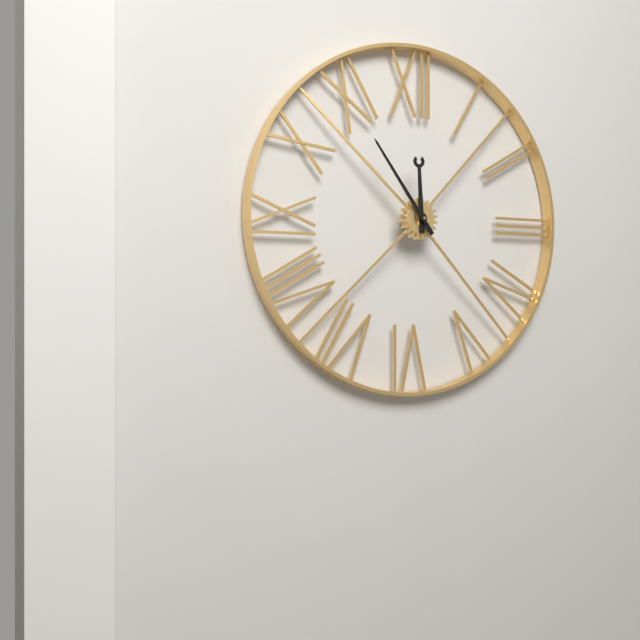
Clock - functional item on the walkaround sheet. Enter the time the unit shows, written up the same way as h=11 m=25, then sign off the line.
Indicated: h=11 m=54
